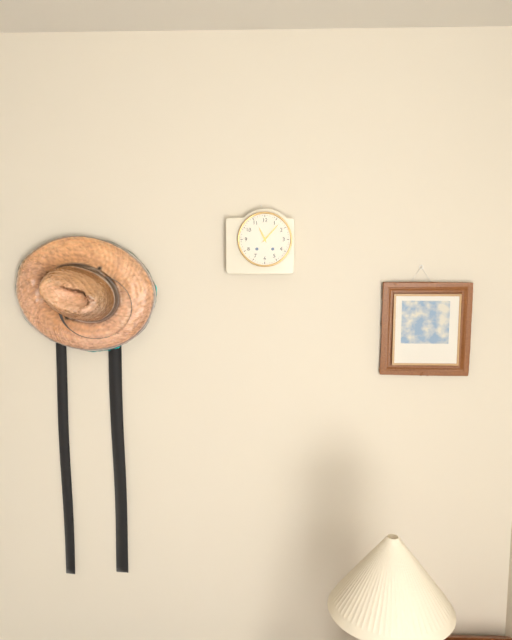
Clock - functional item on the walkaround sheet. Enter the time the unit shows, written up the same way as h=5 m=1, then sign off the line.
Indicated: h=11 m=7
